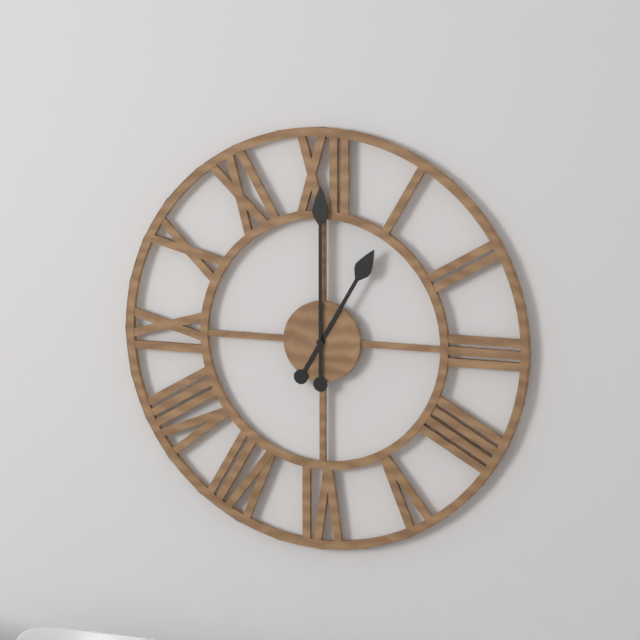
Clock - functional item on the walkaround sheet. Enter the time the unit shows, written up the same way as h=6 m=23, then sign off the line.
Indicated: h=1 m=0
